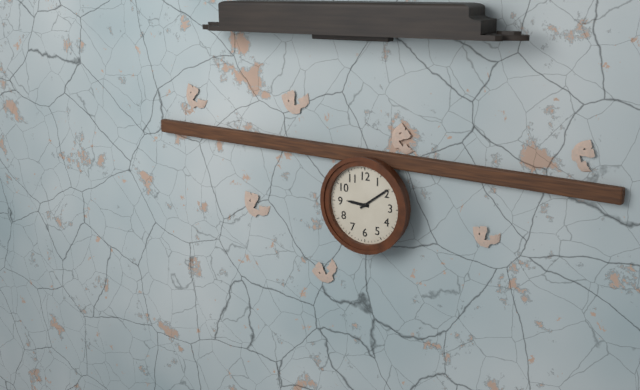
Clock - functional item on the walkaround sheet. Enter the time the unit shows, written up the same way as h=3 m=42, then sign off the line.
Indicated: h=9 m=9
